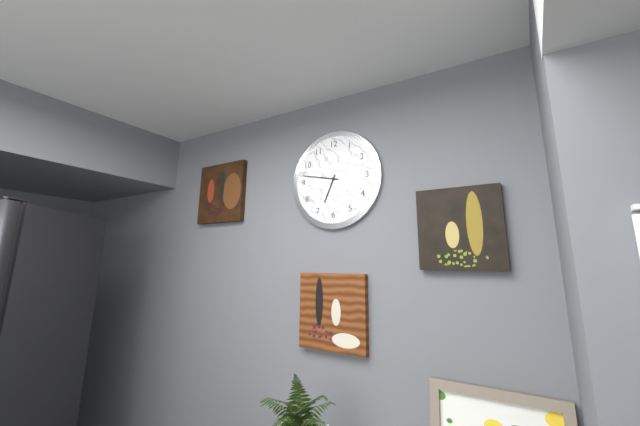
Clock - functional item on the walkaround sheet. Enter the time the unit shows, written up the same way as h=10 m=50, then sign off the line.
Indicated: h=6 m=47
